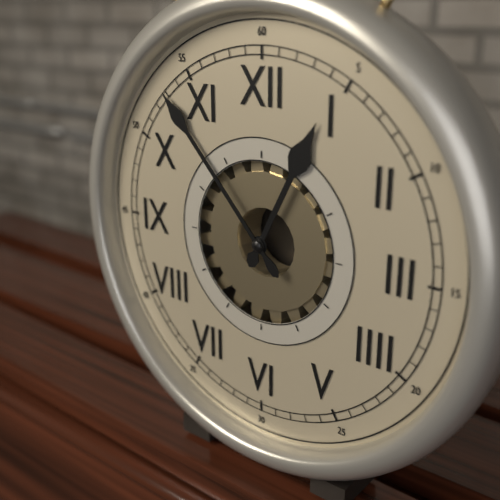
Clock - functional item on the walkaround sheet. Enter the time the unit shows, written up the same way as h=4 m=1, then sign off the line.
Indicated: h=12 m=53
